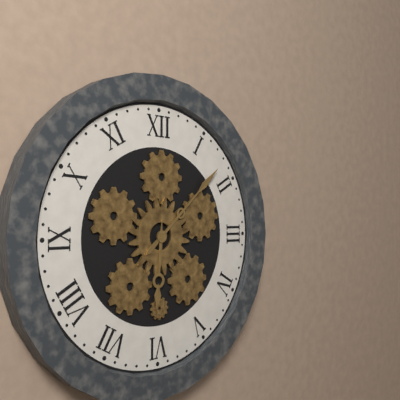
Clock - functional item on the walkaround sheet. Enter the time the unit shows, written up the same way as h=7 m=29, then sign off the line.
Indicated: h=6 m=8
